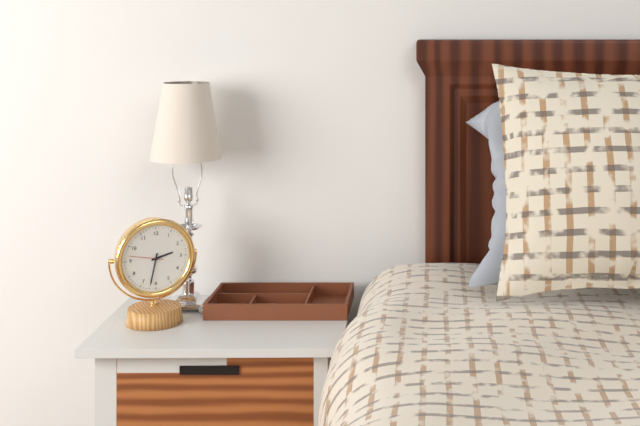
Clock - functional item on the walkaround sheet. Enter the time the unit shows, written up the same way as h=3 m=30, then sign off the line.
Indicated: h=2 m=32
